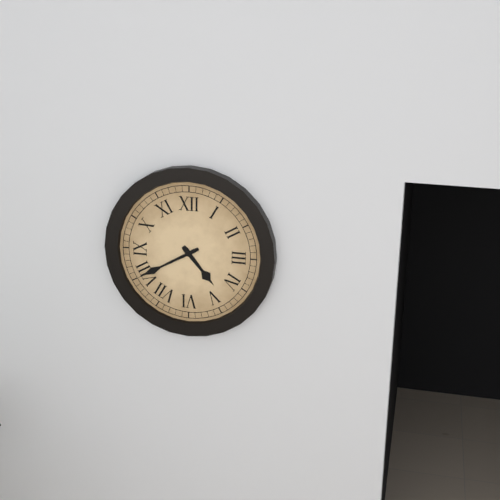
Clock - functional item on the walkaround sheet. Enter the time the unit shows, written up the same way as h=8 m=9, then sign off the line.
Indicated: h=4 m=40
